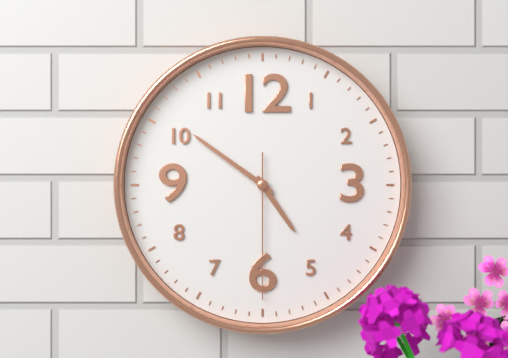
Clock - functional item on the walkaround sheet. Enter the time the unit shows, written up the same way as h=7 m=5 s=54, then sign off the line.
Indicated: h=4 m=51 s=30
